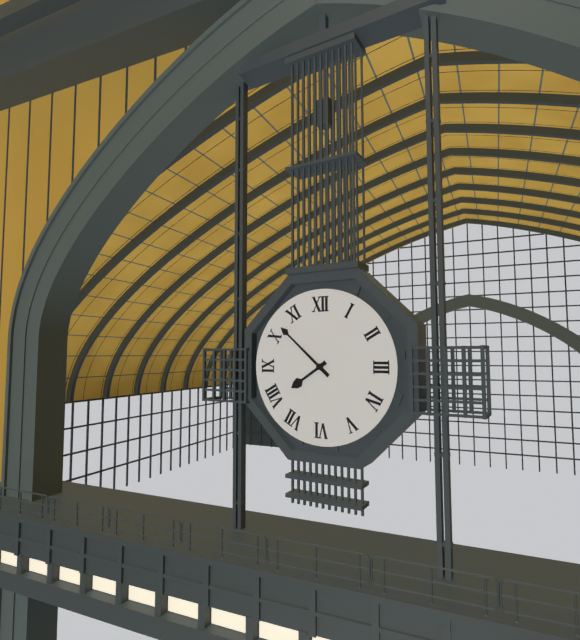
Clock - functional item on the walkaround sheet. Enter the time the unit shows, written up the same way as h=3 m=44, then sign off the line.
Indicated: h=7 m=52
